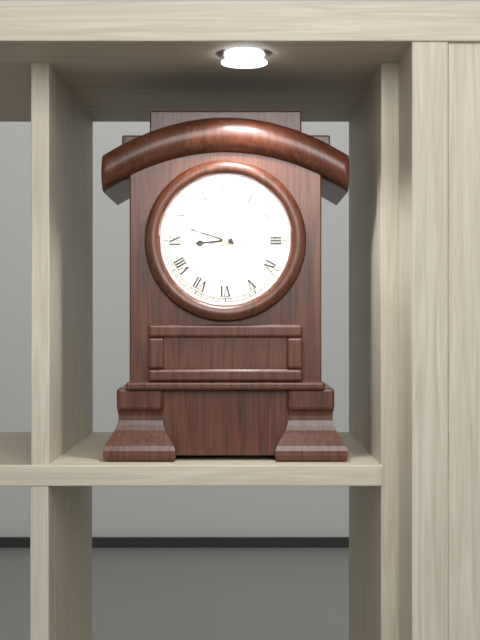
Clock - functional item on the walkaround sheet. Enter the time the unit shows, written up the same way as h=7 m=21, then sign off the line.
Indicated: h=8 m=48
